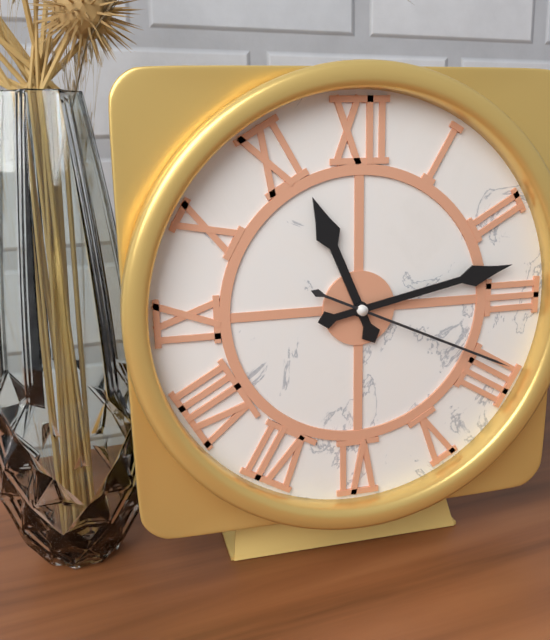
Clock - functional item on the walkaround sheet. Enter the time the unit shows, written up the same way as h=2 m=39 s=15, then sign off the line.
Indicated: h=11 m=13 s=19
